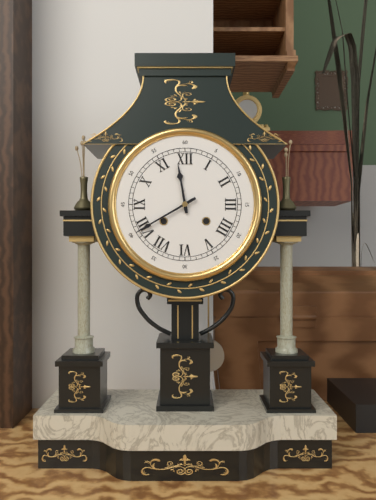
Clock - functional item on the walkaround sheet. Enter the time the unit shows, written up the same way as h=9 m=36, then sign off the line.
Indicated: h=11 m=40
